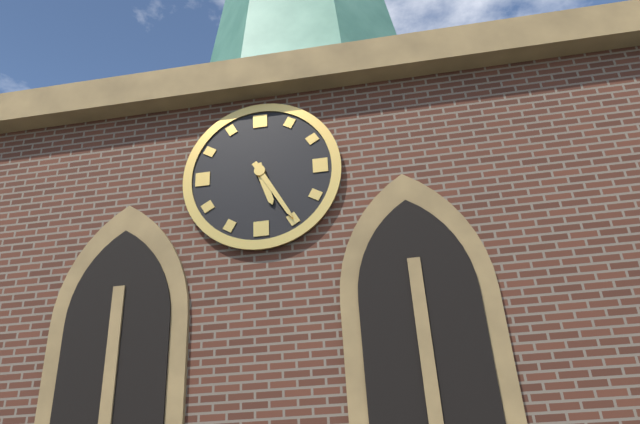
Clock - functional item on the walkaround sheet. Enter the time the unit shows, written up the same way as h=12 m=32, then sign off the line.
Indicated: h=5 m=25
